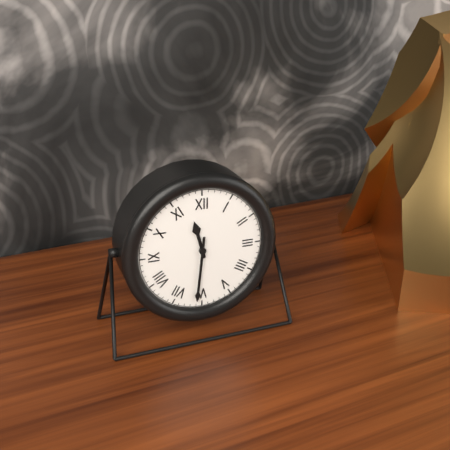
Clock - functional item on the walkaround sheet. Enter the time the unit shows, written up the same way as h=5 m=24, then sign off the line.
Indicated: h=11 m=31
